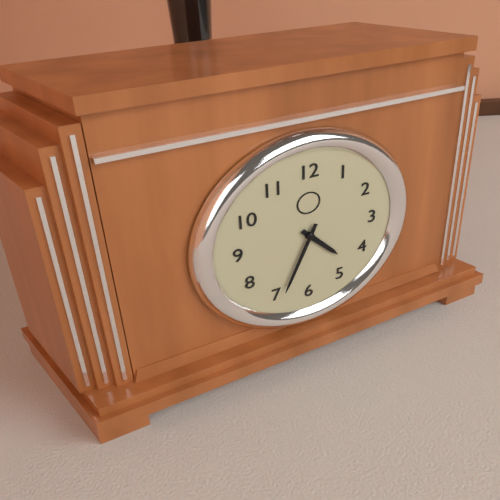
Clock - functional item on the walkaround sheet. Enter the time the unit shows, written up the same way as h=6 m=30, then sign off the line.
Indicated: h=4 m=34
